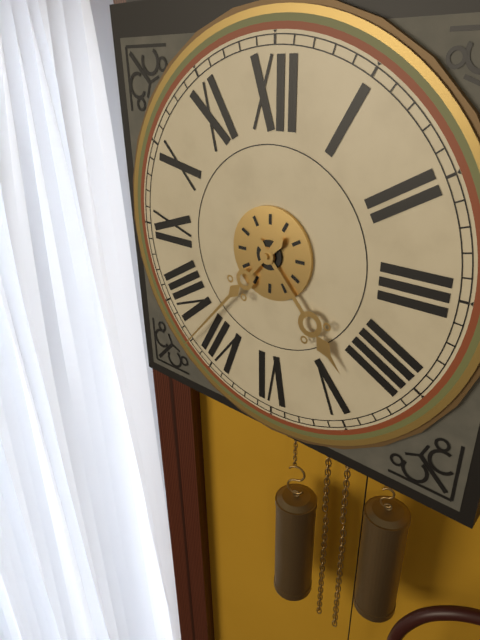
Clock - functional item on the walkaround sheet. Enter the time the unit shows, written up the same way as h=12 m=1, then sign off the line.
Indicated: h=4 m=37
